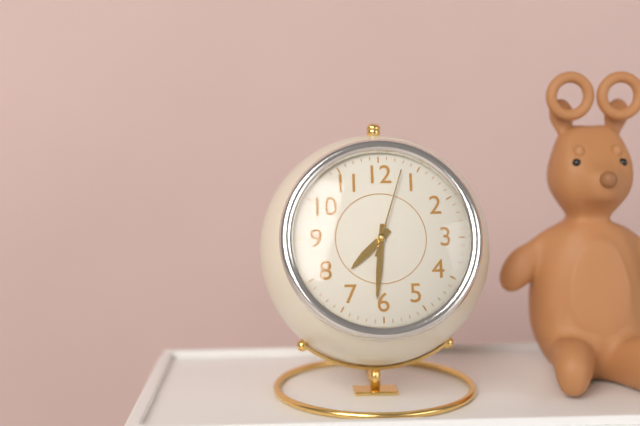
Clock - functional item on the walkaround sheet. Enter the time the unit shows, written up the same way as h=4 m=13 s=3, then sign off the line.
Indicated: h=7 m=31 s=3
